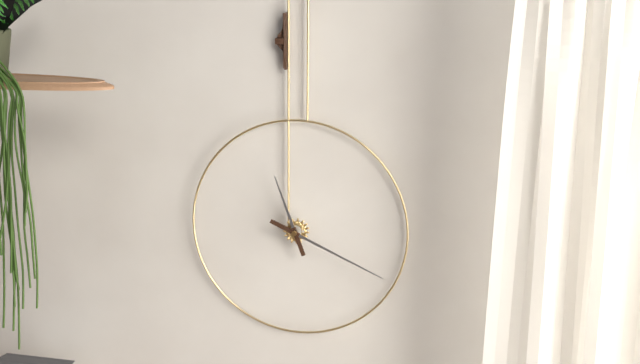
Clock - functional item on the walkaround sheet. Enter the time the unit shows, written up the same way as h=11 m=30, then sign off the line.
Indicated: h=11 m=19
